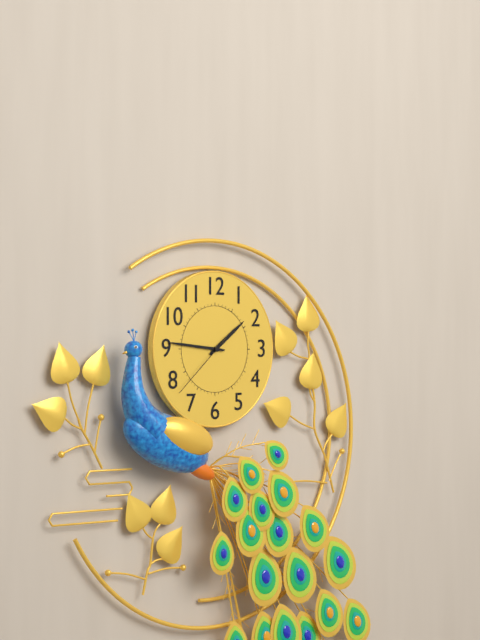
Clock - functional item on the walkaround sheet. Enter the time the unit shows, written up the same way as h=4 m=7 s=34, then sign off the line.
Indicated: h=1 m=46 s=38
